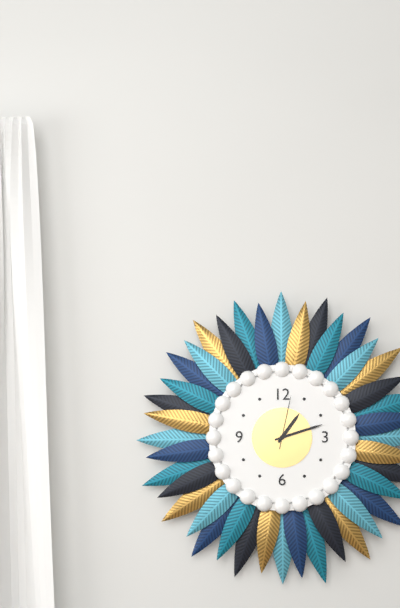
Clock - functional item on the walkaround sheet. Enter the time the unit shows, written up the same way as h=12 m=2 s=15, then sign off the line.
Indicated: h=1 m=12 s=2
